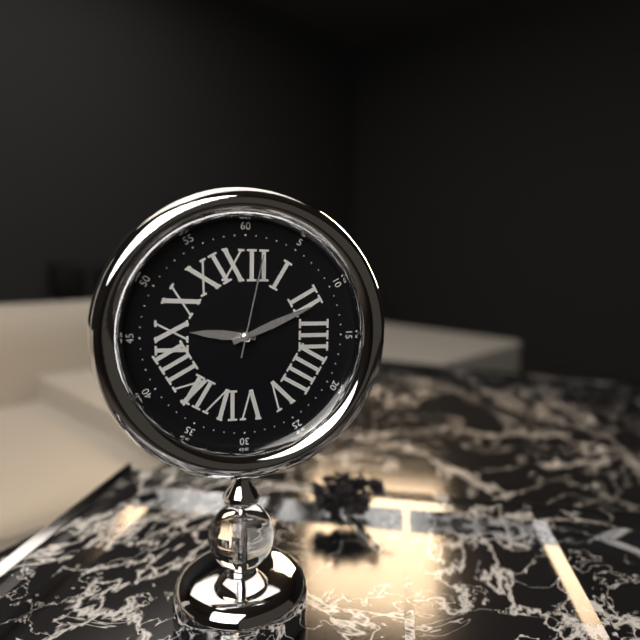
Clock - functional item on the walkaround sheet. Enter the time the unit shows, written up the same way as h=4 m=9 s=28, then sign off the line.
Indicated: h=9 m=11 s=2
